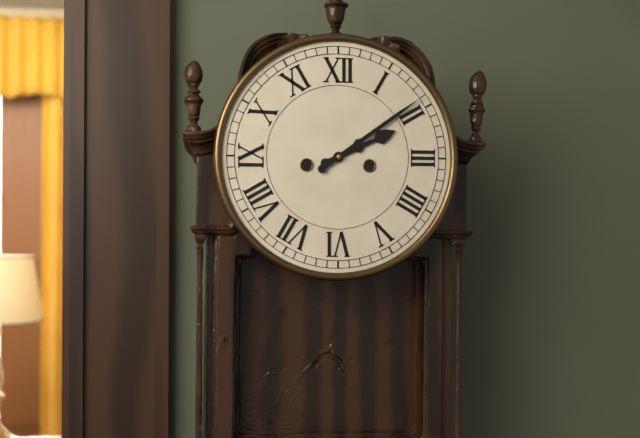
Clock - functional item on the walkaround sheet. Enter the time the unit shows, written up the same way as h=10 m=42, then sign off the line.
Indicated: h=2 m=9
